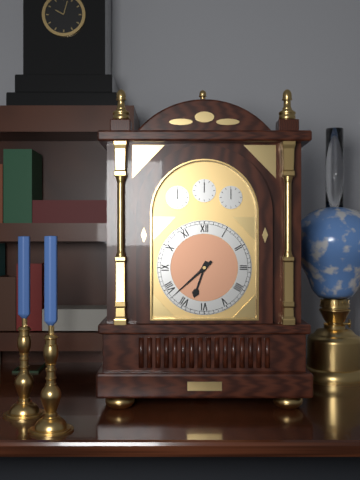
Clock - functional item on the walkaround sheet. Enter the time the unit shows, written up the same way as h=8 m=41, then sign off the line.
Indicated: h=6 m=38
